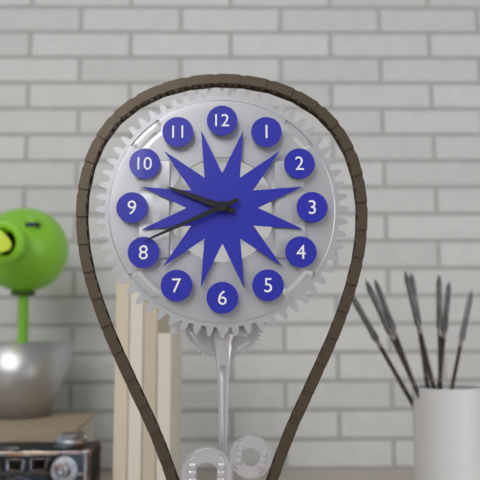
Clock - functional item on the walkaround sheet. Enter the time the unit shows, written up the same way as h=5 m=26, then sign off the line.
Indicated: h=9 m=41
